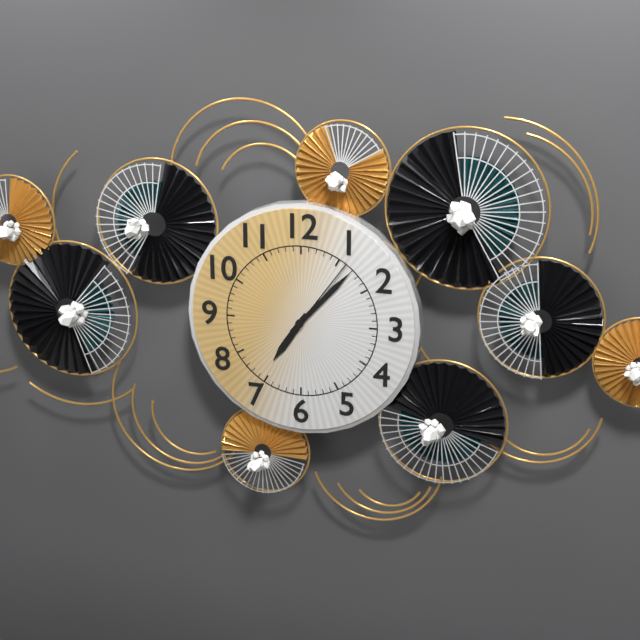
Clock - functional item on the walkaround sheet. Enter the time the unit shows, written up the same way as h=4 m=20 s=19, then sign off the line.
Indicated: h=7 m=7 s=6
